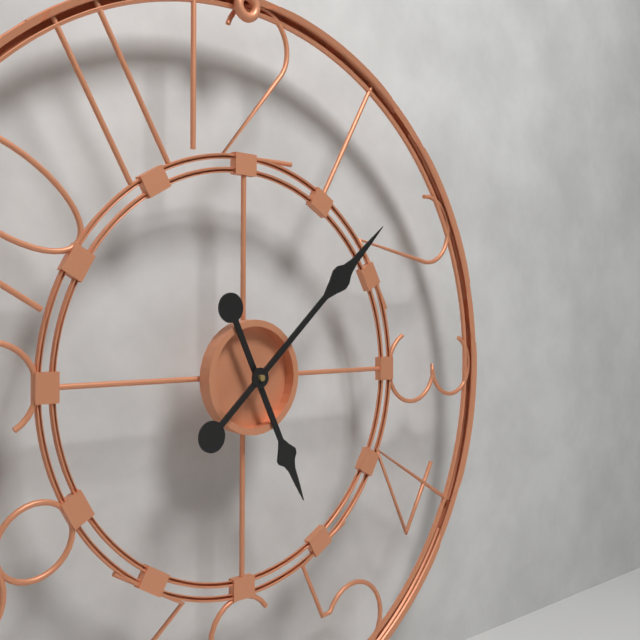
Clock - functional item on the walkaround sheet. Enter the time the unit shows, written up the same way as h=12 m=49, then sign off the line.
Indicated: h=5 m=8
